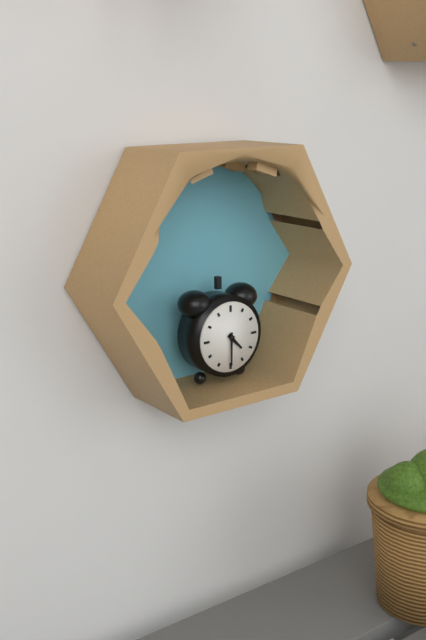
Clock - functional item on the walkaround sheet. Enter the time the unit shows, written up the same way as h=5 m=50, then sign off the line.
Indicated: h=4 m=30
